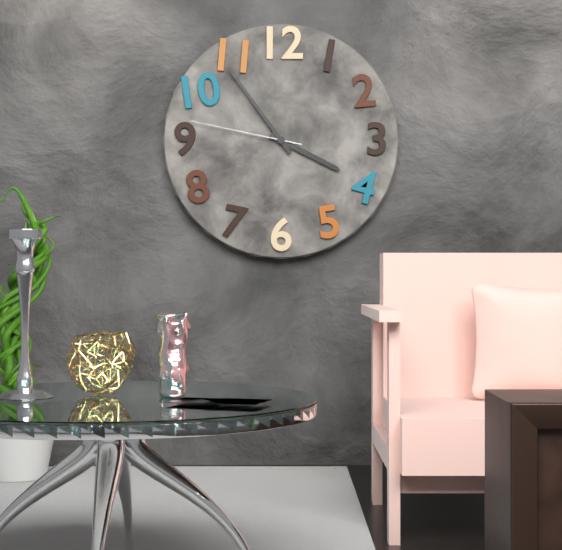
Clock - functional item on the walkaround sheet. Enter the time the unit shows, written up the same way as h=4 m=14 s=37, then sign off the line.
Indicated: h=3 m=54 s=47
